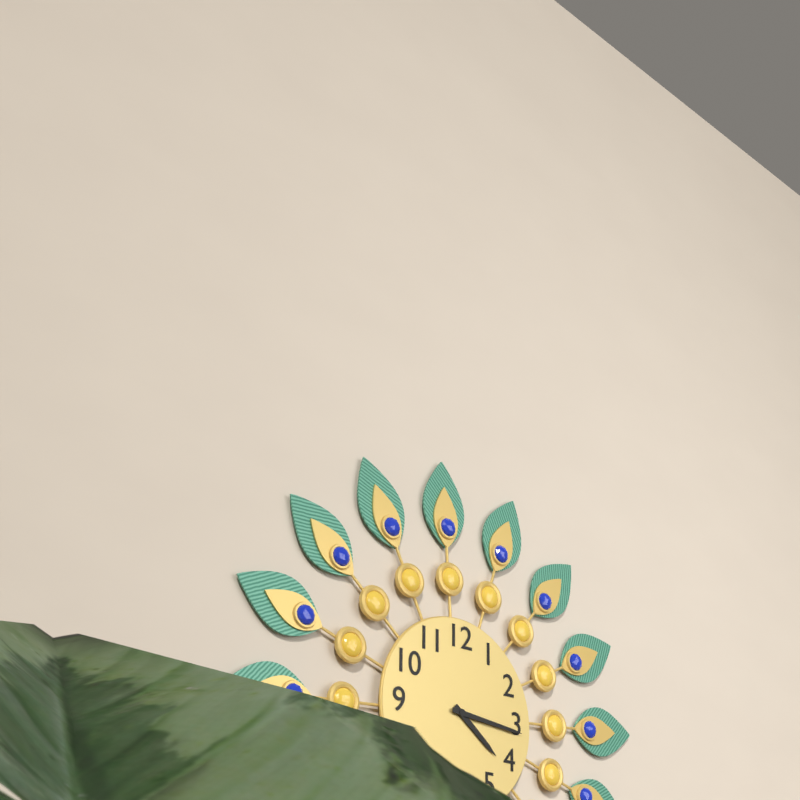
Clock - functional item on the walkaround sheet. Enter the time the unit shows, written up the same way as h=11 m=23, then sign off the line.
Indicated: h=4 m=16
